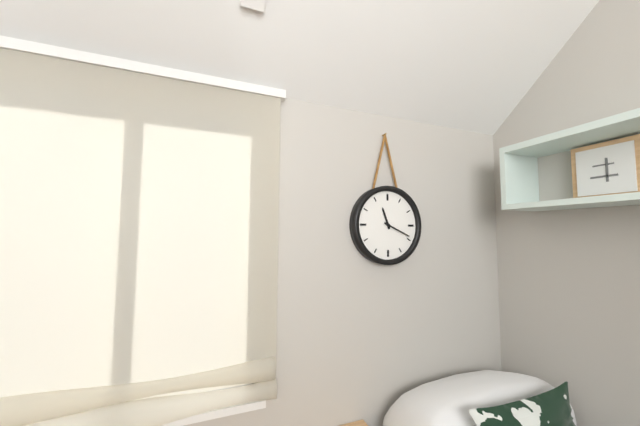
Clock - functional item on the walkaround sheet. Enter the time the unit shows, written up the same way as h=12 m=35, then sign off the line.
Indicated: h=11 m=19
